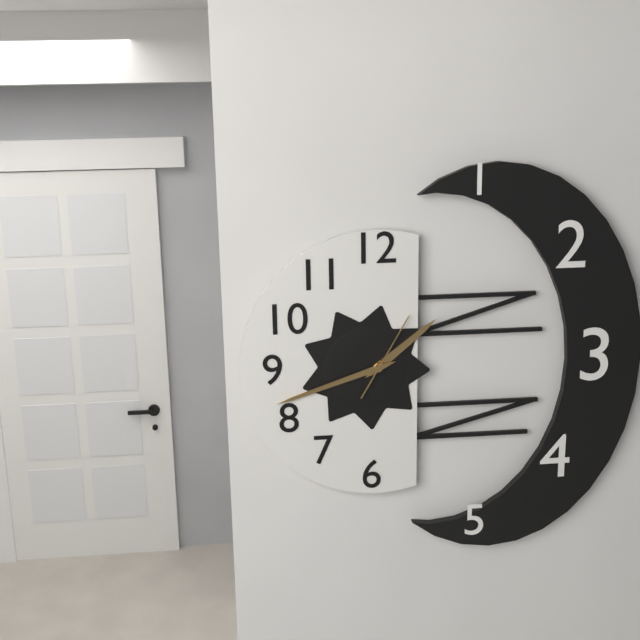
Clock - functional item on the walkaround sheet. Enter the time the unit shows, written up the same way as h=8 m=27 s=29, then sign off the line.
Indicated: h=1 m=42 s=5
